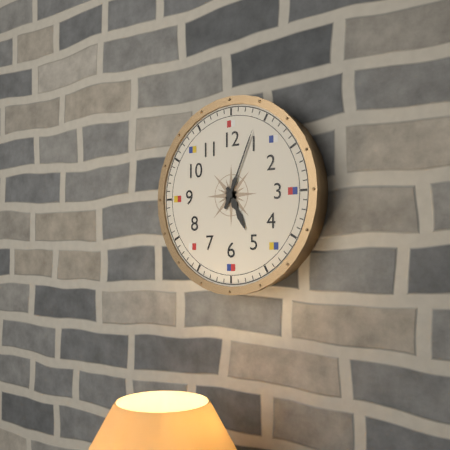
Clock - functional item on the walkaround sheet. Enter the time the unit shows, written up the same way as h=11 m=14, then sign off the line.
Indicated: h=5 m=4
